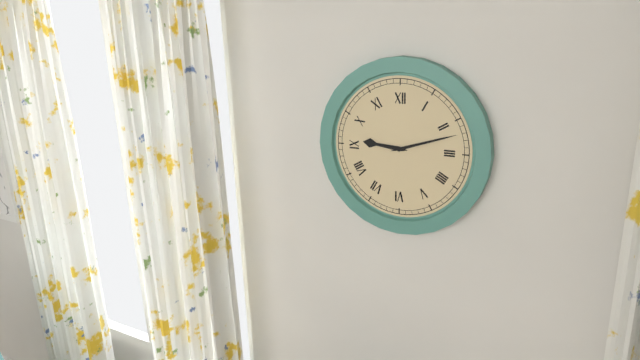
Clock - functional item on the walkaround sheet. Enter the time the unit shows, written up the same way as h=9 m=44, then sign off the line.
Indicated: h=9 m=12
